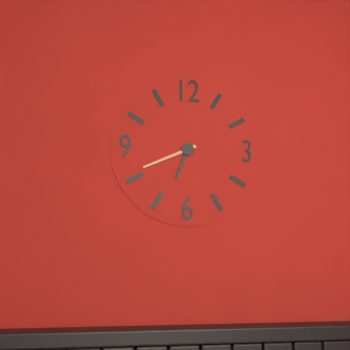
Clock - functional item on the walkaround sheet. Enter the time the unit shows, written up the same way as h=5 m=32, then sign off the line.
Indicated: h=6 m=41
